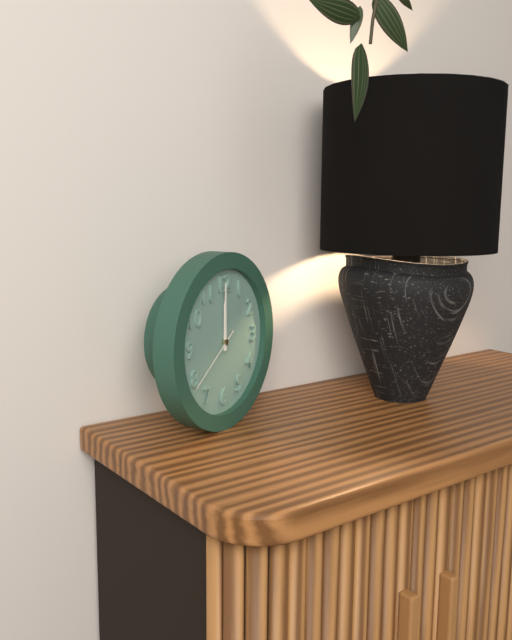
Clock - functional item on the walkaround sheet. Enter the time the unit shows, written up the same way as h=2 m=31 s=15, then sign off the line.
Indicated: h=12 m=0 s=39
